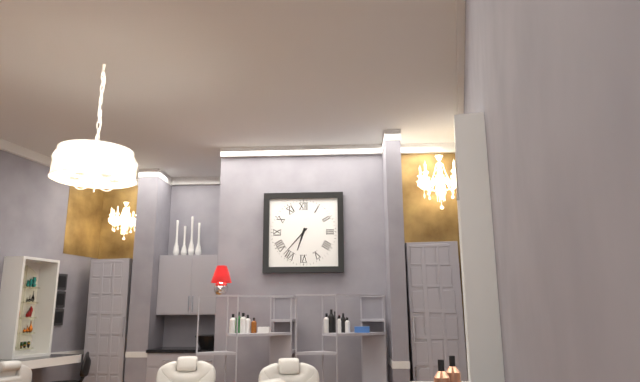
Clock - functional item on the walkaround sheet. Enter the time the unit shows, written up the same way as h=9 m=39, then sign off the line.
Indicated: h=6 m=37
